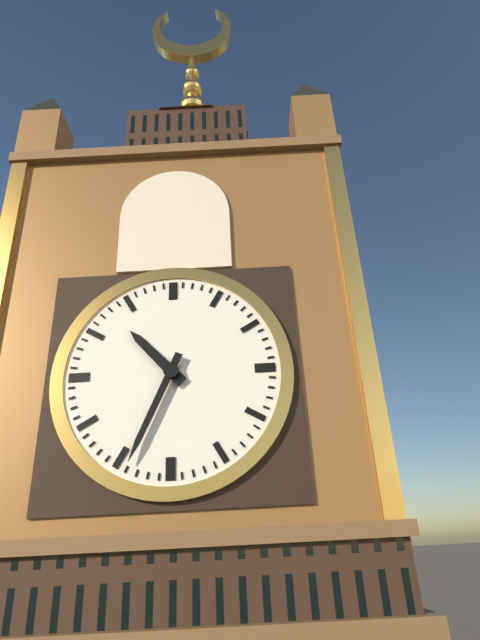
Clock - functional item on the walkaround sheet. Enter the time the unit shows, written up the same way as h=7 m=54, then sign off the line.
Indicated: h=10 m=34
